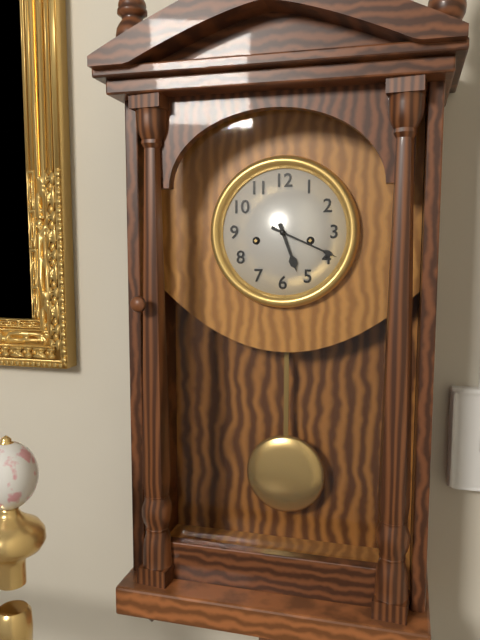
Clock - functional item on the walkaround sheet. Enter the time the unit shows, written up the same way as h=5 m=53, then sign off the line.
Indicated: h=5 m=19
